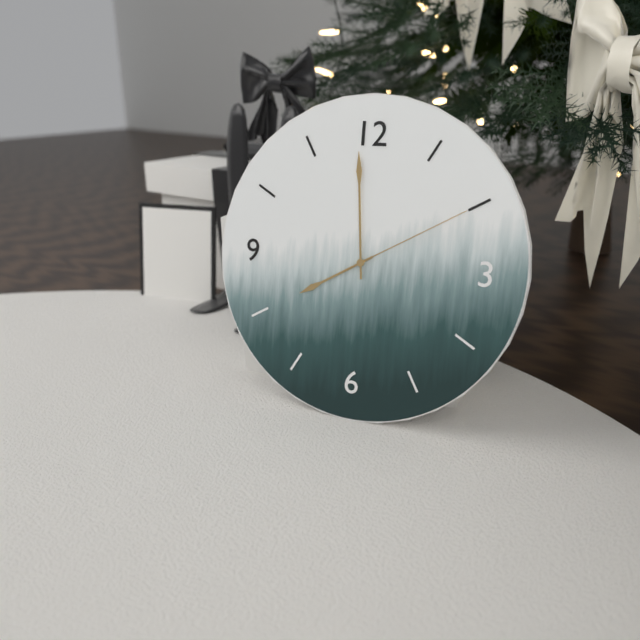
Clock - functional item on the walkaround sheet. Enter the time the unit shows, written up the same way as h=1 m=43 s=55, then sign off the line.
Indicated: h=7 m=59 s=10
